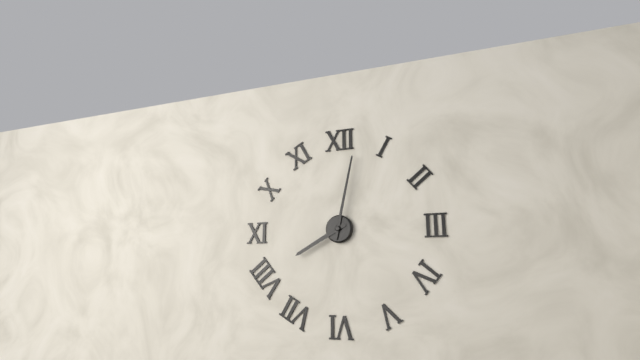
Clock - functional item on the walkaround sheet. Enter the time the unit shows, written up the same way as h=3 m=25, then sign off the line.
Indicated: h=8 m=2
